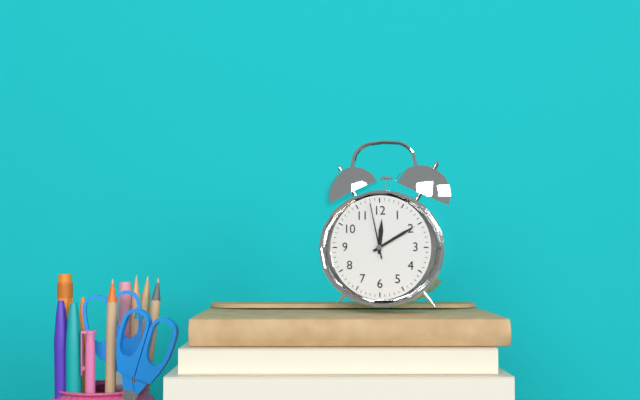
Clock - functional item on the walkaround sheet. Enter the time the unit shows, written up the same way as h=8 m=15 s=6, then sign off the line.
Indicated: h=12 m=10 s=58
